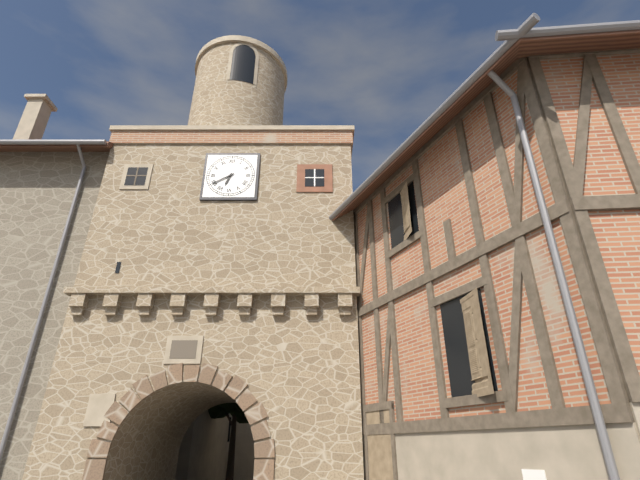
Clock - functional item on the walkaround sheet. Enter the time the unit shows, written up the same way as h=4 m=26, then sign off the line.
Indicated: h=6 m=40
